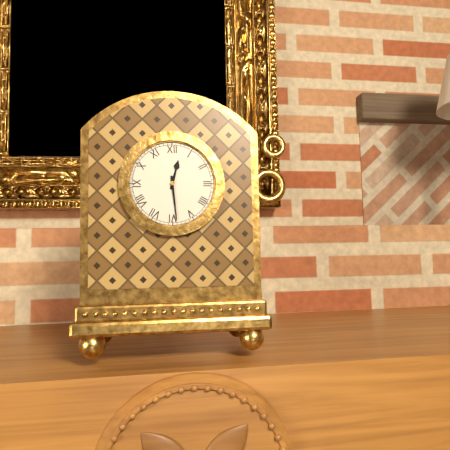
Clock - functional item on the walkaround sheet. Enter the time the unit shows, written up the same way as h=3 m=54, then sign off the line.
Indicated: h=12 m=29
